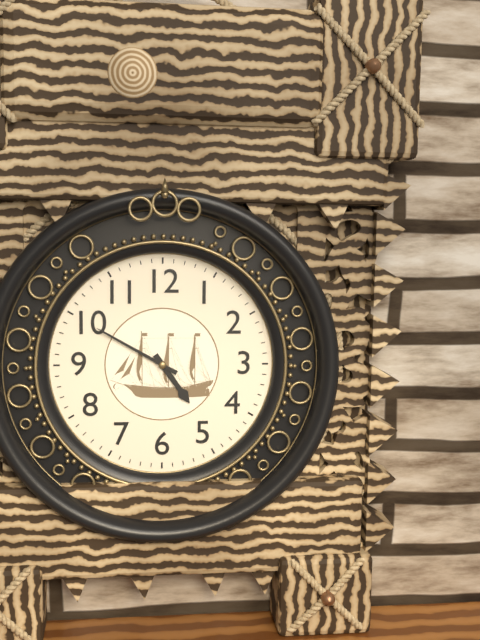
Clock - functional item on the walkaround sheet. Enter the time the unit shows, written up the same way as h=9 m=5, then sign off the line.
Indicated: h=4 m=50
